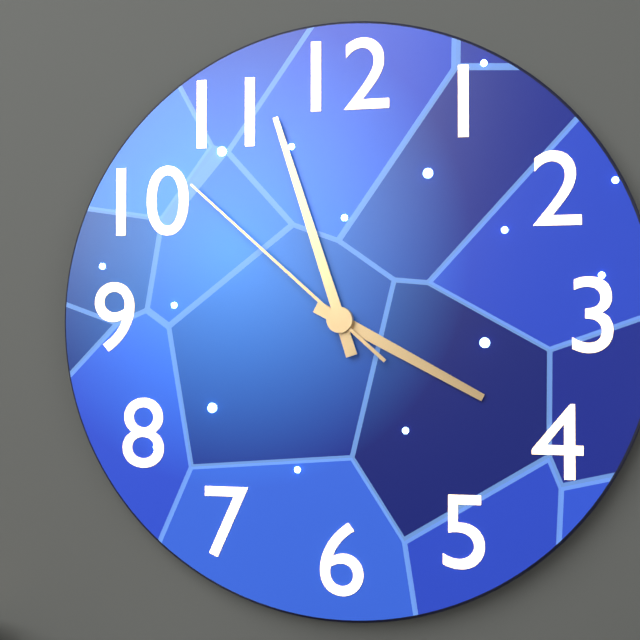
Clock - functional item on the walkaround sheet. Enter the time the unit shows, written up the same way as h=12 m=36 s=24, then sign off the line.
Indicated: h=3 m=57 s=52
